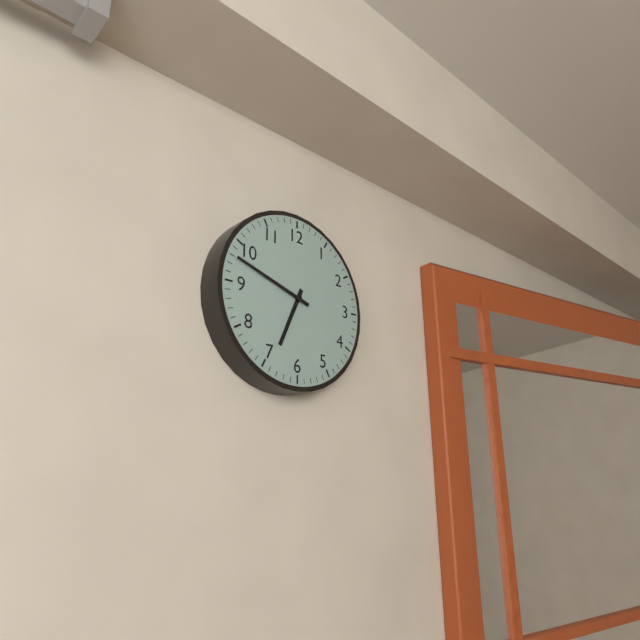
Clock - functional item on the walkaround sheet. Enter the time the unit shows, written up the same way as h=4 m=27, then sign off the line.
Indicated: h=6 m=48
